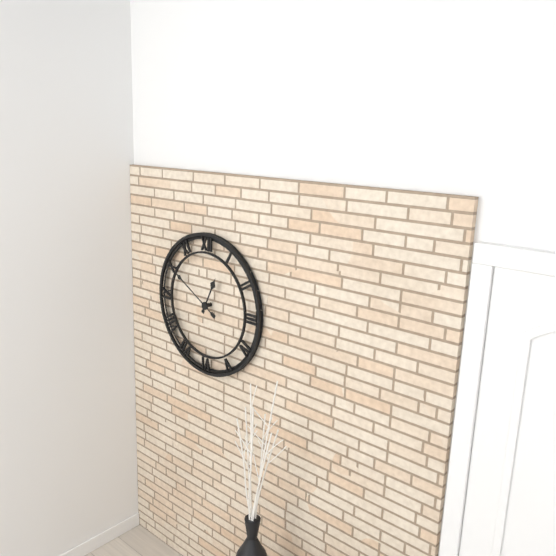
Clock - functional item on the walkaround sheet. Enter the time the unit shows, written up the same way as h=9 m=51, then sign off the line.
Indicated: h=12 m=50
